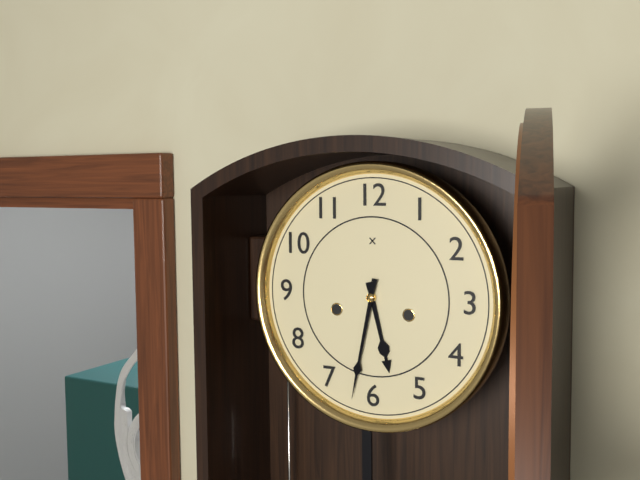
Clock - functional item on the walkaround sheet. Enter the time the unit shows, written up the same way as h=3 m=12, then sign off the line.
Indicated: h=5 m=32
